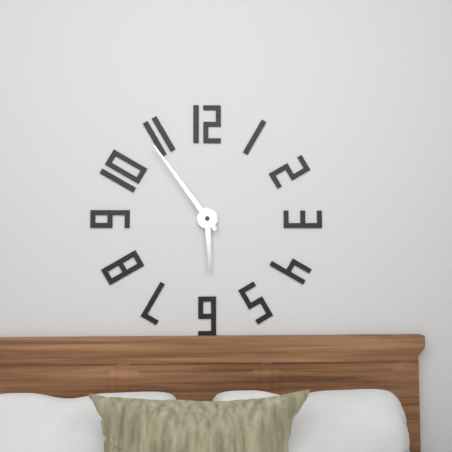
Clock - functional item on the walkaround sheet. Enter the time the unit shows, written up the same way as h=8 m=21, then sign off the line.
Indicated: h=5 m=54
